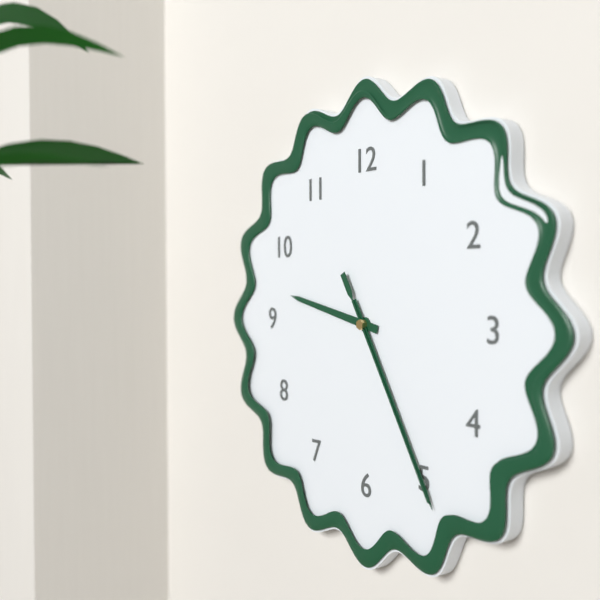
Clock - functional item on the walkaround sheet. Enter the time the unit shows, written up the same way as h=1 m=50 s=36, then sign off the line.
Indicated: h=9 m=25 s=25
